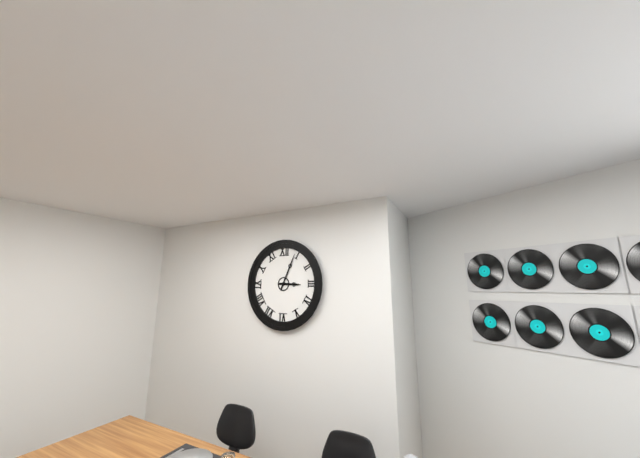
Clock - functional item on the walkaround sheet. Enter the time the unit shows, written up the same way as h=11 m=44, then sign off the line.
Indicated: h=3 m=4
